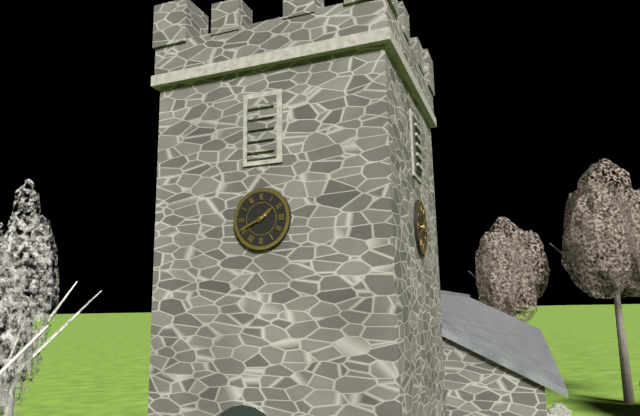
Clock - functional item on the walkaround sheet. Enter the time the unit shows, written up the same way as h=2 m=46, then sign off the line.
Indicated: h=1 m=41
